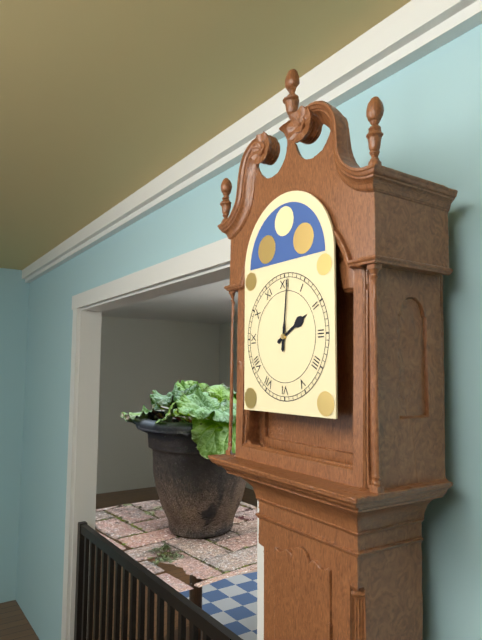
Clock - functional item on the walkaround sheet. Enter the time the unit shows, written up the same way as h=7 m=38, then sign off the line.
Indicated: h=2 m=1
